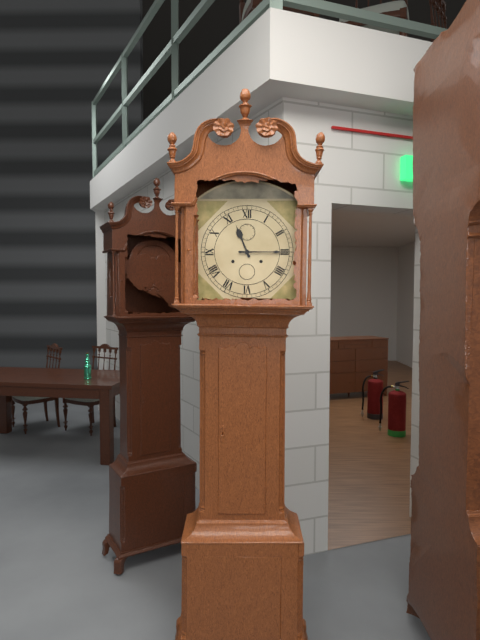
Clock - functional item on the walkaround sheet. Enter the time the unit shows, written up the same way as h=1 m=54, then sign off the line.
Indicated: h=11 m=15
